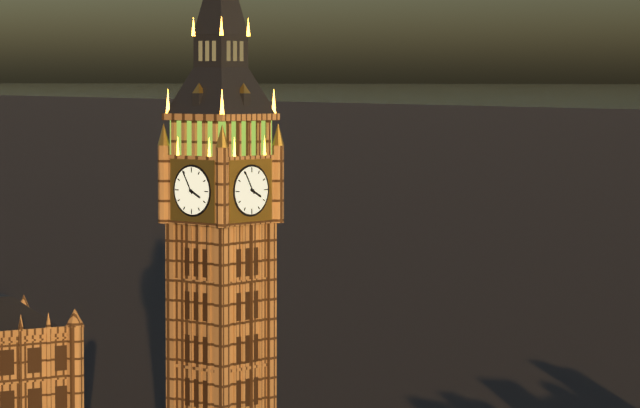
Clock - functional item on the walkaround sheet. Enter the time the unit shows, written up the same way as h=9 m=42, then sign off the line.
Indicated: h=3 m=55
